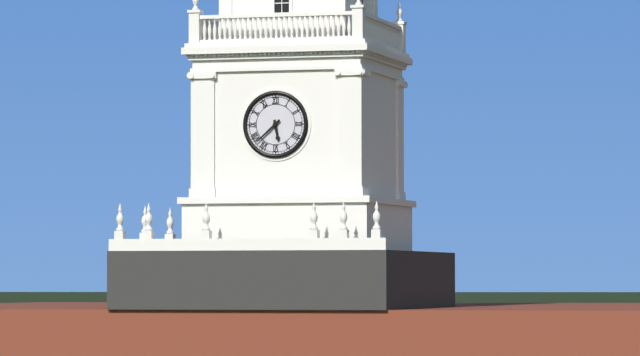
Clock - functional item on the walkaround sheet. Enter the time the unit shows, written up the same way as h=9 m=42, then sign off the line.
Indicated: h=5 m=38
